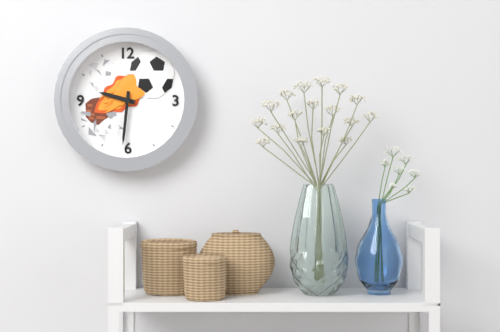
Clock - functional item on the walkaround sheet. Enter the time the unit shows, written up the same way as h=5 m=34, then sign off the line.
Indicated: h=9 m=31
